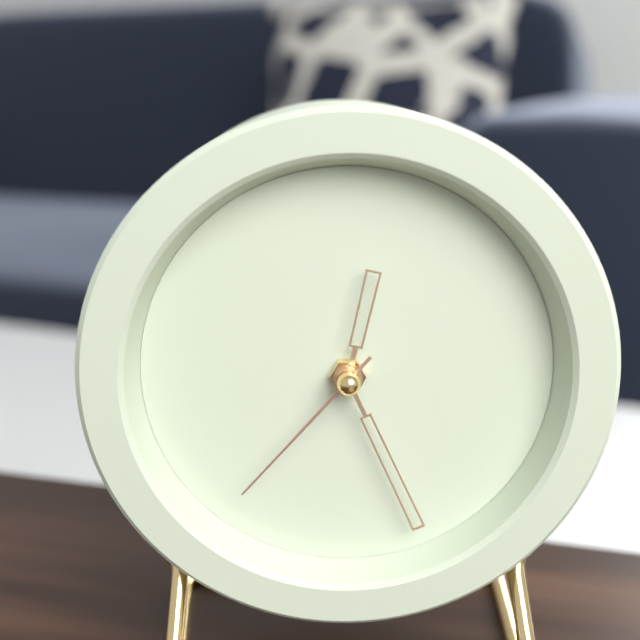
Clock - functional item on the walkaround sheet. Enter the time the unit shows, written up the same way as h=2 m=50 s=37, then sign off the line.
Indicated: h=12 m=26 s=37
